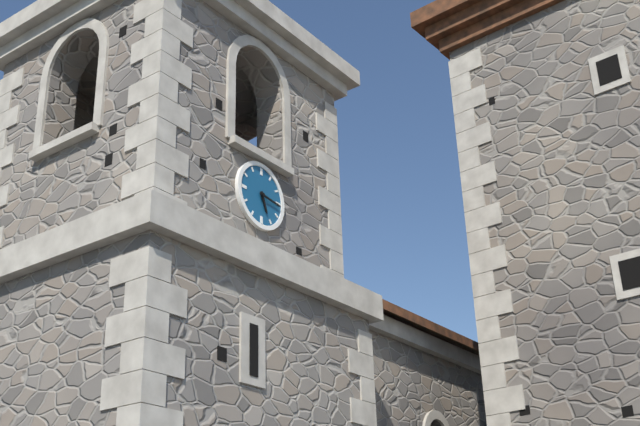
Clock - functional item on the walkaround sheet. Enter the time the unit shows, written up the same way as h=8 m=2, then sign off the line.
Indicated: h=5 m=16
